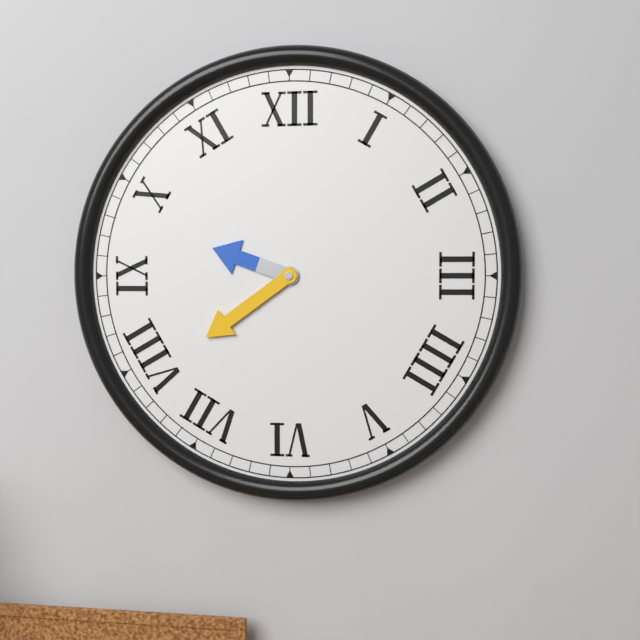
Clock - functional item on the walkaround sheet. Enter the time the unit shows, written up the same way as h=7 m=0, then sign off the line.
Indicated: h=9 m=39
